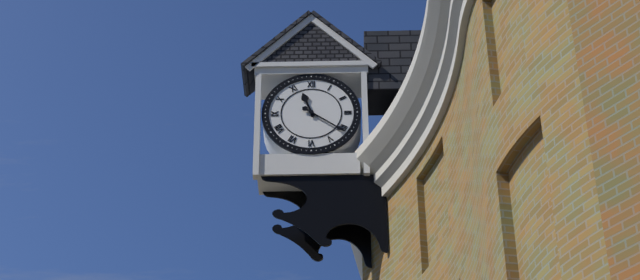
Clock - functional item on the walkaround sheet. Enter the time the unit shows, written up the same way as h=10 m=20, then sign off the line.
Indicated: h=11 m=21
